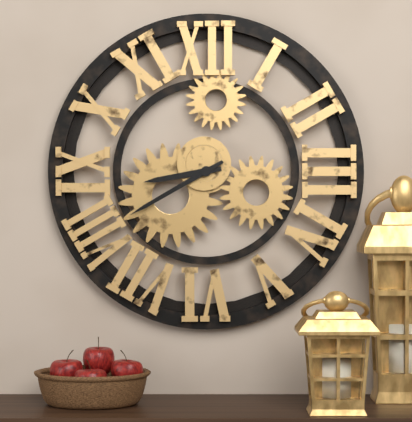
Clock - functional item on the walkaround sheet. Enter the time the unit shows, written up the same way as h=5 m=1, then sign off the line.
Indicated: h=8 m=40
